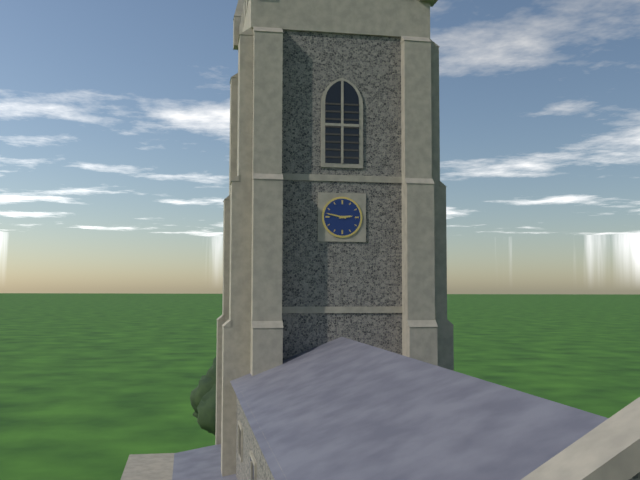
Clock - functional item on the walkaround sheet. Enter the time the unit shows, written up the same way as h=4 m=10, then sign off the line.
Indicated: h=2 m=47
